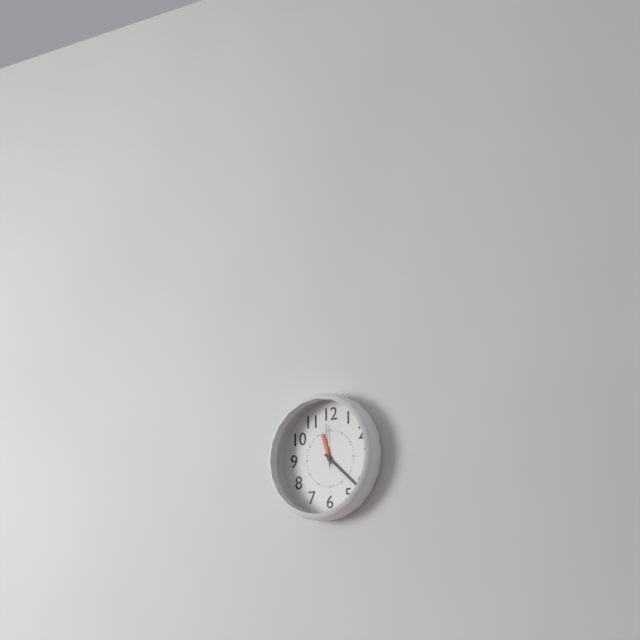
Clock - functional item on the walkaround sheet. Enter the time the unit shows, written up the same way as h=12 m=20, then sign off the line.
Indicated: h=11 m=22
